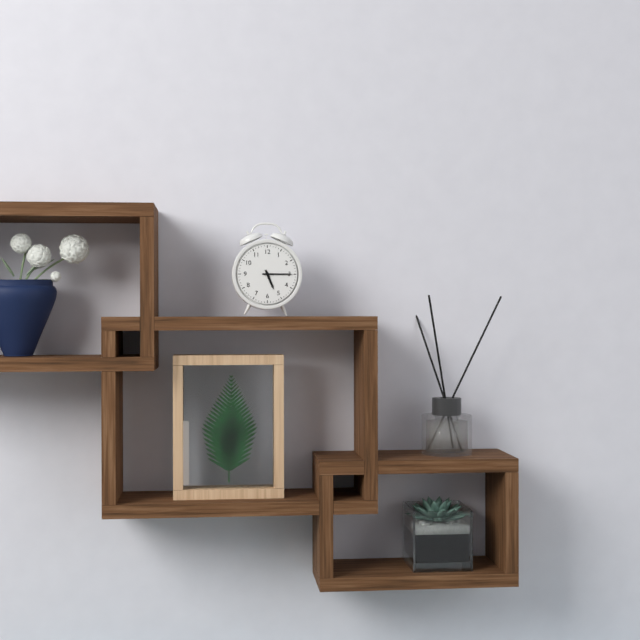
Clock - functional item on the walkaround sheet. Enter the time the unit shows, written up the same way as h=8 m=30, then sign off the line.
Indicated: h=5 m=15
